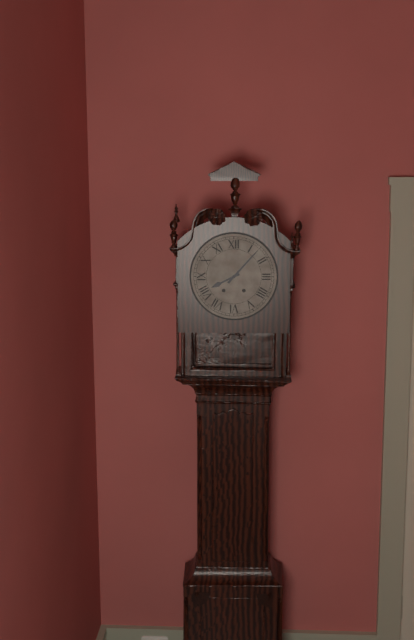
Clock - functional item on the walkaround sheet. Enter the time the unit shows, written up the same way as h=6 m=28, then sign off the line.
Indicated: h=8 m=7
